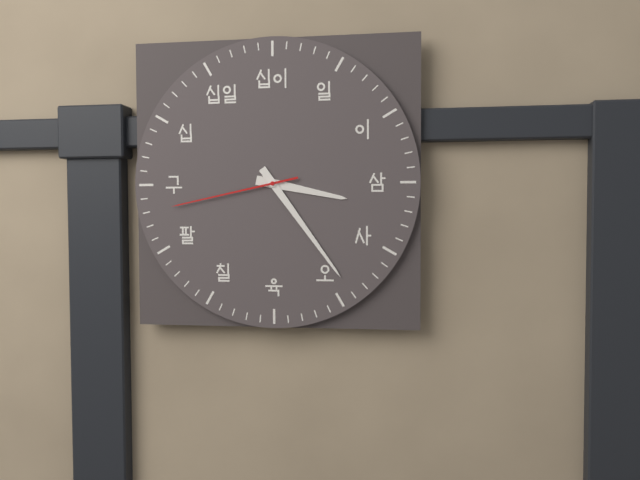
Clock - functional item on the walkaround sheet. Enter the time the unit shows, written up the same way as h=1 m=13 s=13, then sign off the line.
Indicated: h=3 m=24 s=43
